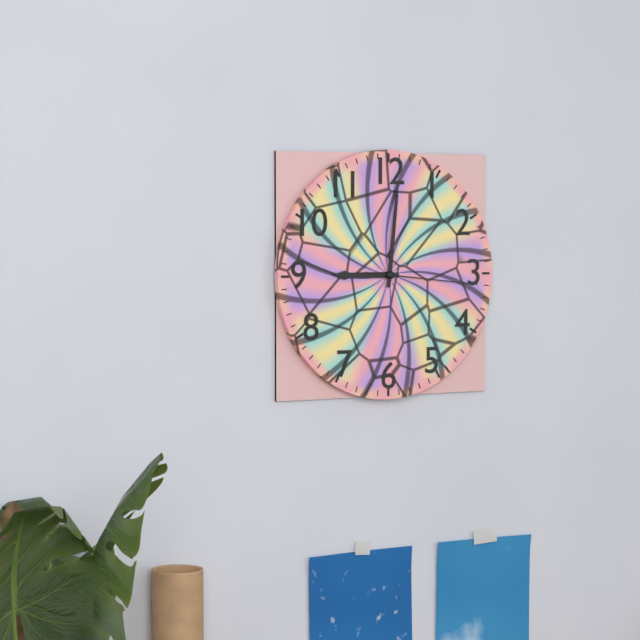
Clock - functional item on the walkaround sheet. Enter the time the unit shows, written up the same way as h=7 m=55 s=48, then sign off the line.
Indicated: h=9 m=1 s=16
